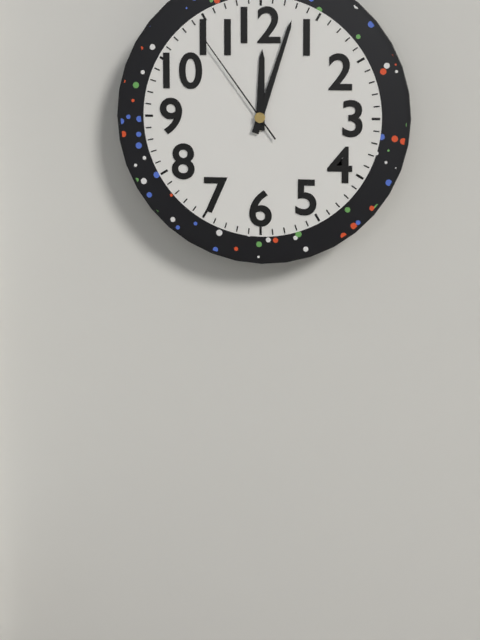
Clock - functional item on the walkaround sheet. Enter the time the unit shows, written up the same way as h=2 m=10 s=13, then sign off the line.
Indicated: h=12 m=3 s=54
